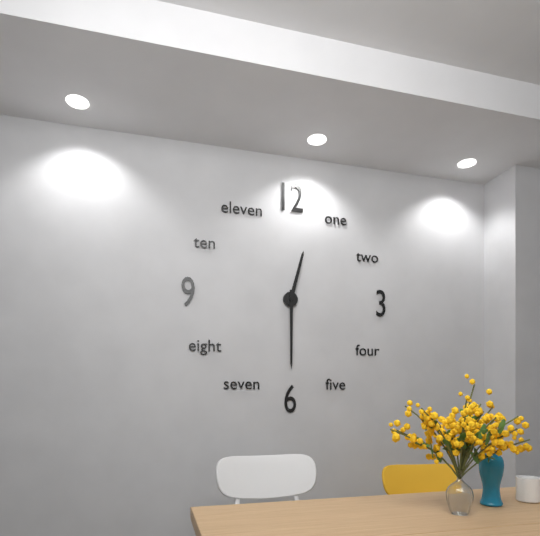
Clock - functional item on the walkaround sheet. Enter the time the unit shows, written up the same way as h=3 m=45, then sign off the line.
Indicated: h=12 m=30
